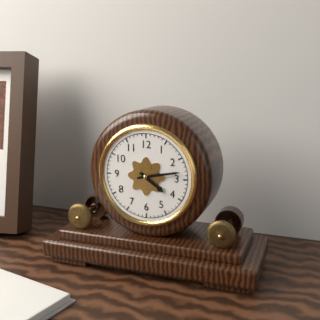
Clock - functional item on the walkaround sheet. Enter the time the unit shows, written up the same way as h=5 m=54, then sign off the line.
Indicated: h=4 m=13
